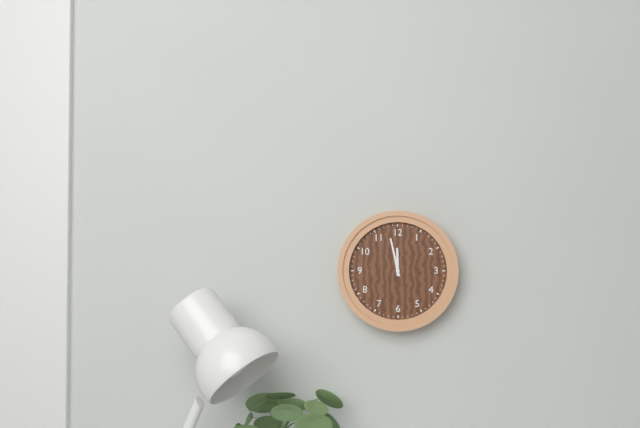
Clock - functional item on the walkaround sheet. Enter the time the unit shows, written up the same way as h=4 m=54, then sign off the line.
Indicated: h=11 m=58
